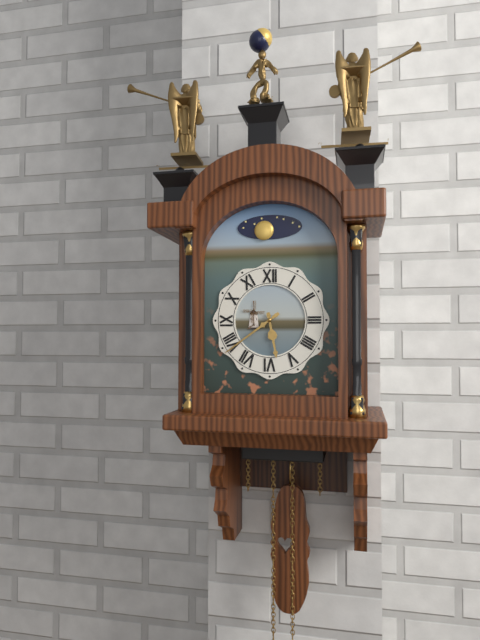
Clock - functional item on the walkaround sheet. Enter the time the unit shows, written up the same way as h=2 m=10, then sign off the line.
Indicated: h=5 m=39
